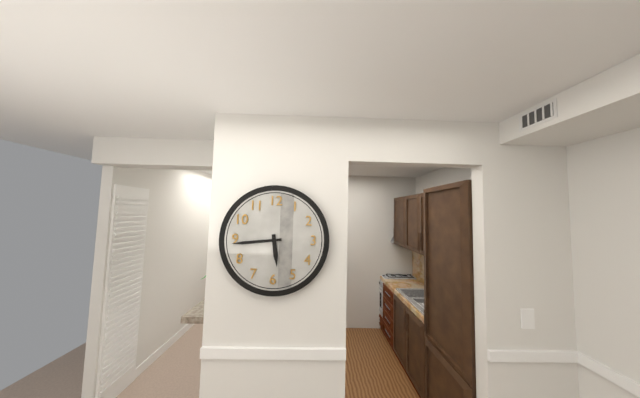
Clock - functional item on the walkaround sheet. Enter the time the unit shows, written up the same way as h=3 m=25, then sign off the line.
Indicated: h=5 m=44
